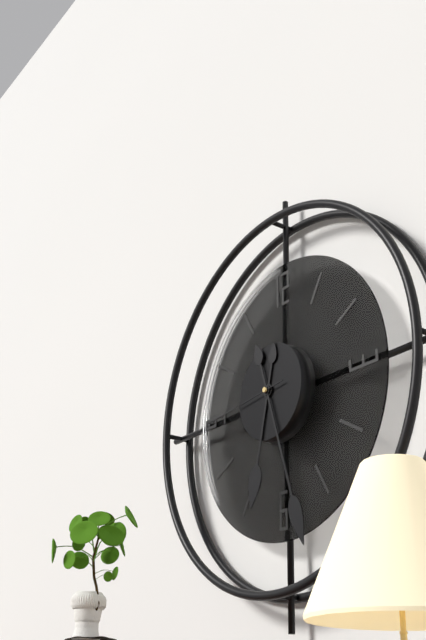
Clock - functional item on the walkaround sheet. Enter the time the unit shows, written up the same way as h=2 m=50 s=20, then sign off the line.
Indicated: h=6 m=27 s=44
